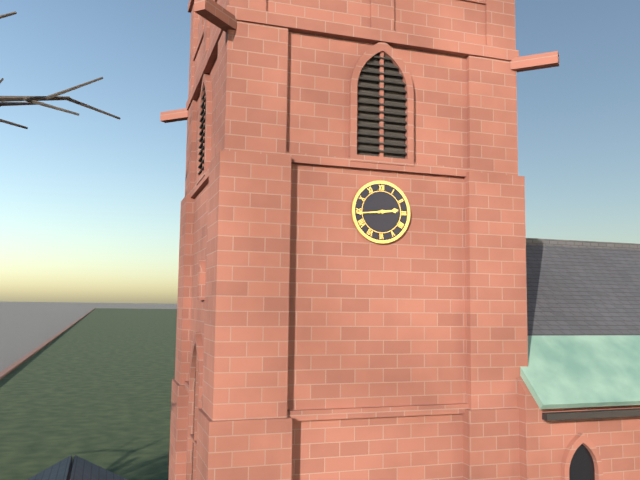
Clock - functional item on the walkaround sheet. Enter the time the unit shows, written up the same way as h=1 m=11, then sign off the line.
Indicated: h=2 m=44
